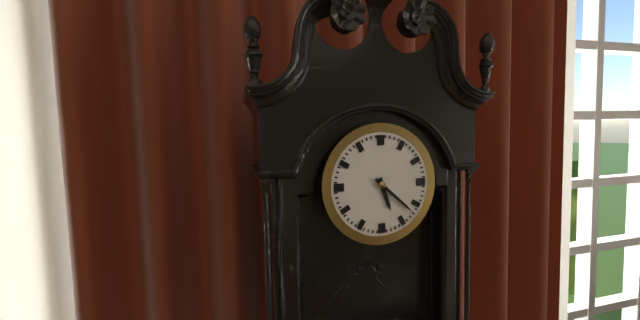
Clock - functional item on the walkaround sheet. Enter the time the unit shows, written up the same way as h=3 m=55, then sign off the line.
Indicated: h=5 m=22
